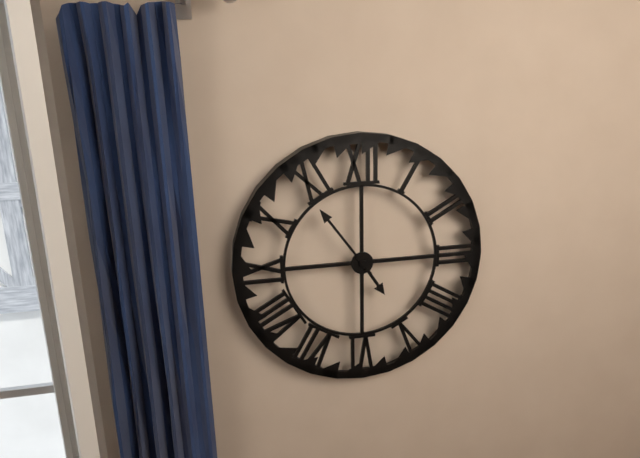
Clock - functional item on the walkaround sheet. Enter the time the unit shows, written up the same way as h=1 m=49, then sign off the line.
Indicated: h=4 m=54
